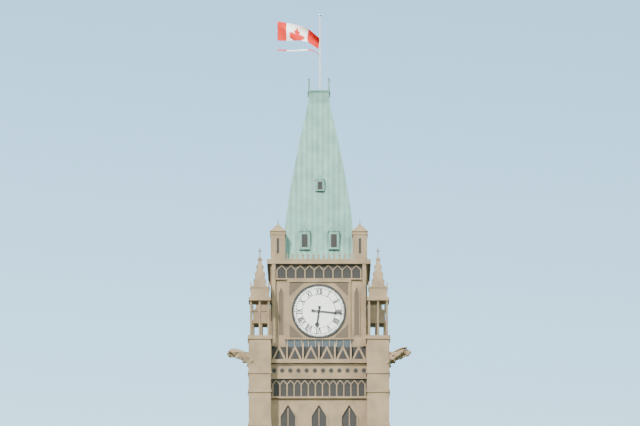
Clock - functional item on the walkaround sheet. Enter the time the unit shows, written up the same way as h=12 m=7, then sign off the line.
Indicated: h=6 m=16
